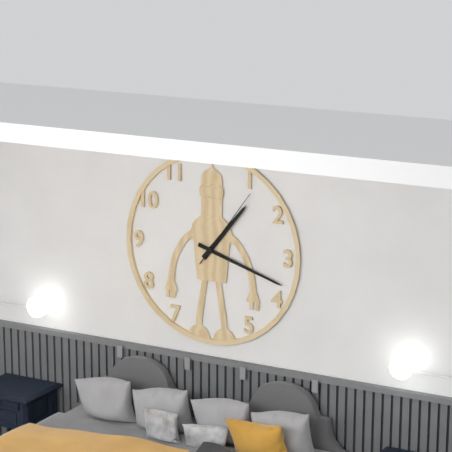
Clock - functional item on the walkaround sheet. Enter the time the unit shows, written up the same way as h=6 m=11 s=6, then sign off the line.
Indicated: h=1 m=18 s=6
